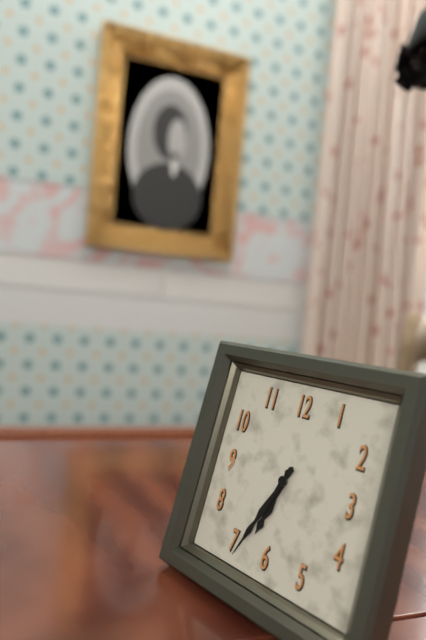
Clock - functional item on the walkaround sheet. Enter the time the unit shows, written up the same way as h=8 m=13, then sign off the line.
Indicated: h=6 m=34
